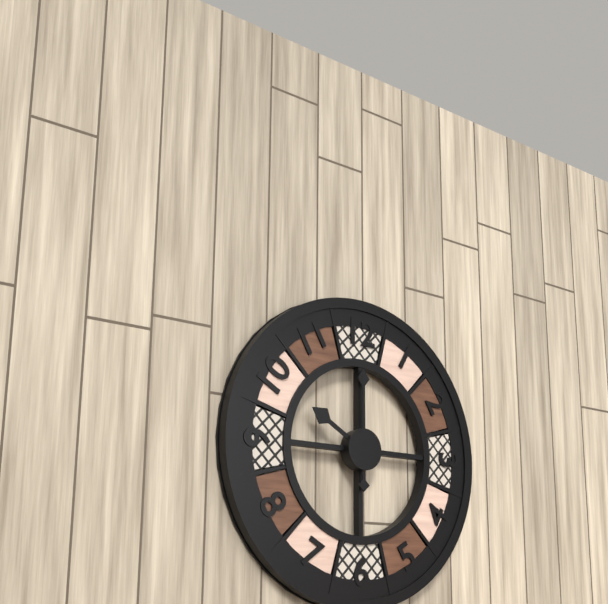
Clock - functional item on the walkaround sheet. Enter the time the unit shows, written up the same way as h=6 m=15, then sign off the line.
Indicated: h=10 m=0
